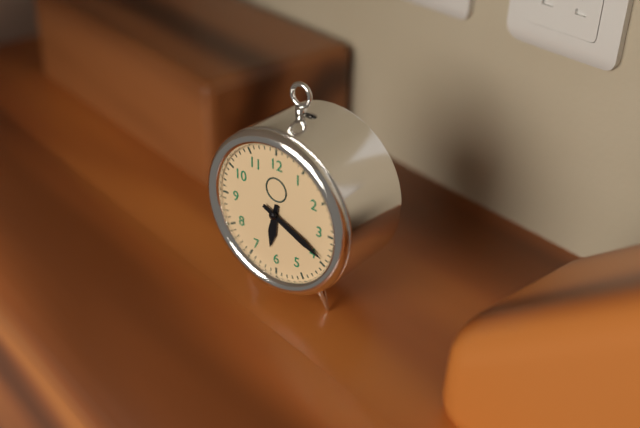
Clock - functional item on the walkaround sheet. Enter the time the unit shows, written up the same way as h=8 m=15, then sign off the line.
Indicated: h=6 m=19
